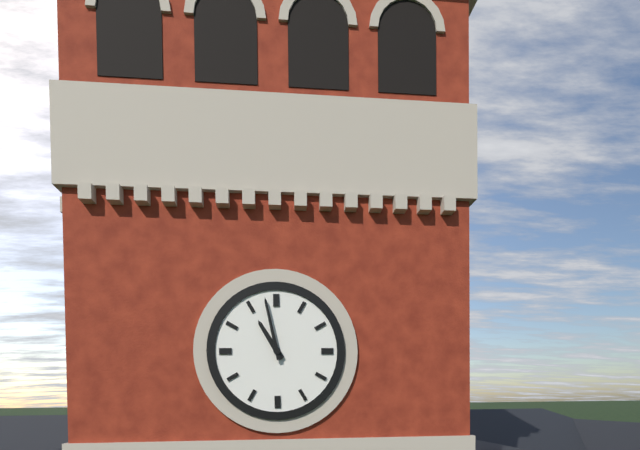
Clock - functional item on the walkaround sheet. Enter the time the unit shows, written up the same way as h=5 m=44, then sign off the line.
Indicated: h=10 m=58
